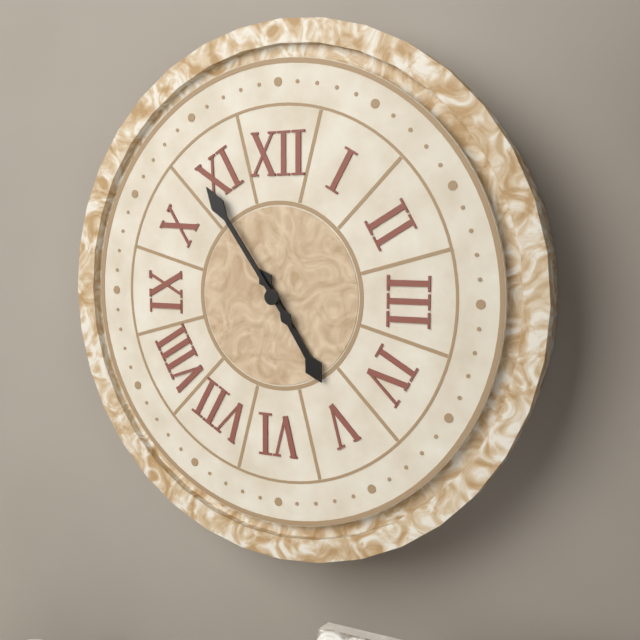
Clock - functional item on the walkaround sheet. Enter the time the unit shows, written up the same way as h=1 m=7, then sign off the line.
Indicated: h=4 m=54
